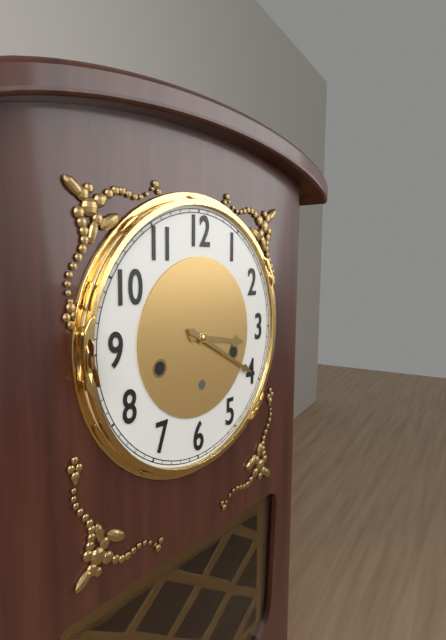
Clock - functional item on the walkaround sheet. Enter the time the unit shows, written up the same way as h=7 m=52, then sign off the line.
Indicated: h=3 m=20
